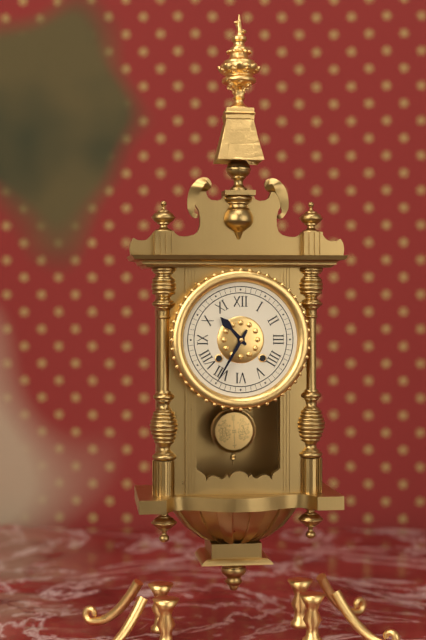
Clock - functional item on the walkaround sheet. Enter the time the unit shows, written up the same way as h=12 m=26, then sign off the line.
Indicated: h=10 m=35
